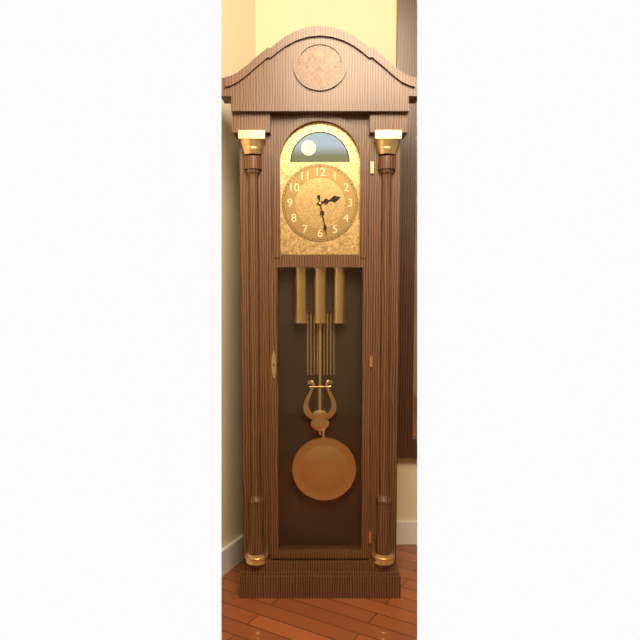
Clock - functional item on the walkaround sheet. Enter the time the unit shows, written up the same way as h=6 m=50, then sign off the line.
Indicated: h=2 m=28
